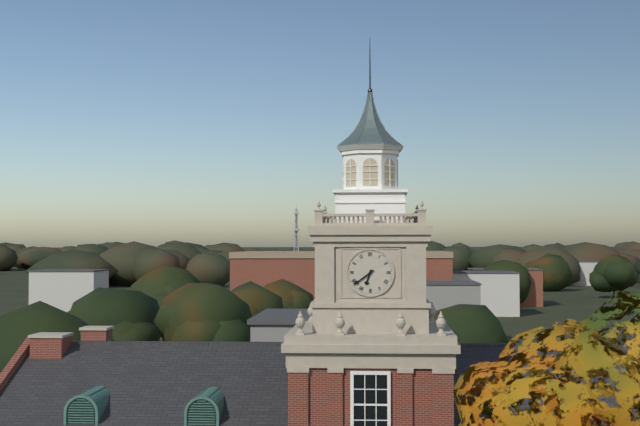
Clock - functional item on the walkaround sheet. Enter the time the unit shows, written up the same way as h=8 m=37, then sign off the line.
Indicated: h=6 m=39
